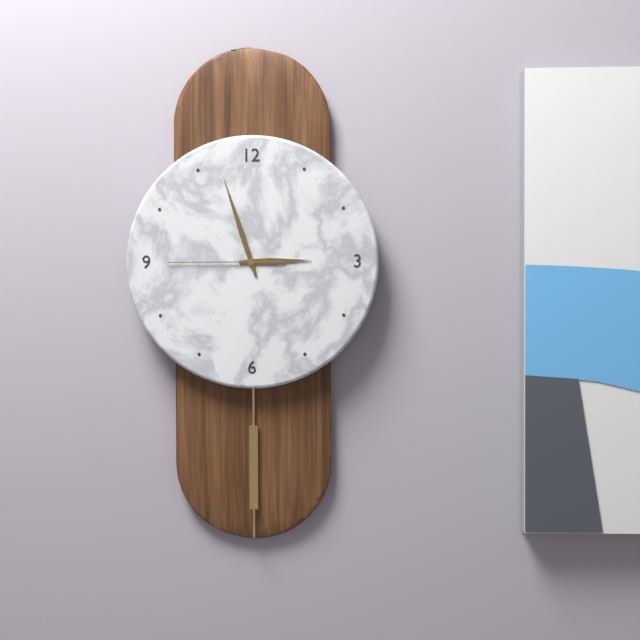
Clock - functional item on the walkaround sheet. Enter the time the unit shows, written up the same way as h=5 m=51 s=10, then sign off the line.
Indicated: h=2 m=57 s=45
